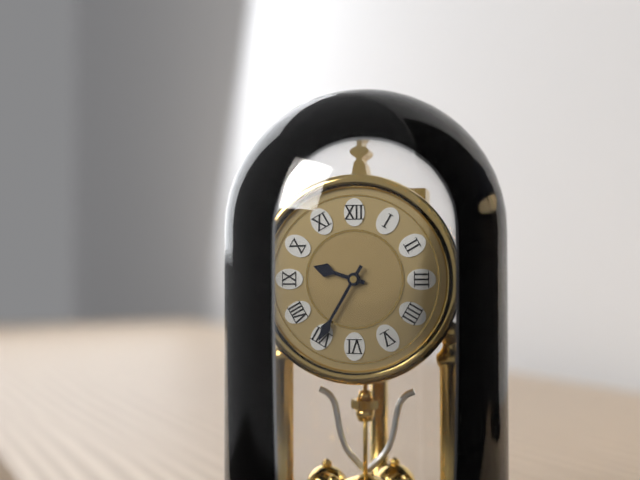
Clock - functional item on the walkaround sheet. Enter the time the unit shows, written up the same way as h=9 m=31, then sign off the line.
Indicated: h=9 m=35
